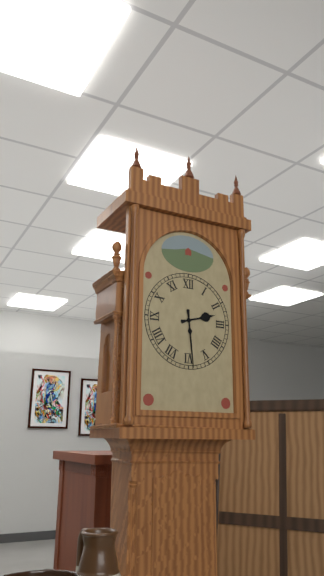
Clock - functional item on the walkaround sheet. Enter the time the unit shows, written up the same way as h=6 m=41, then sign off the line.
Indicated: h=2 m=29
